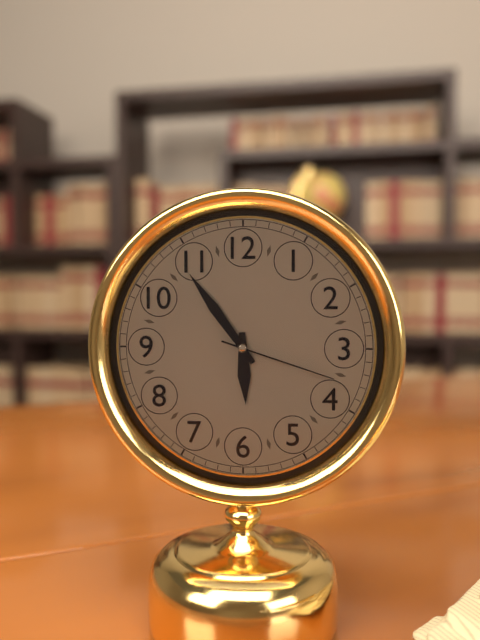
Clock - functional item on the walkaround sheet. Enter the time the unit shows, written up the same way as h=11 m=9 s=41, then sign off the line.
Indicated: h=5 m=54 s=18
